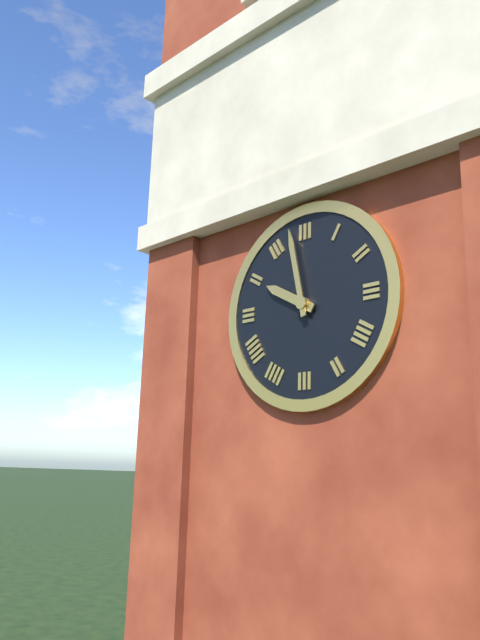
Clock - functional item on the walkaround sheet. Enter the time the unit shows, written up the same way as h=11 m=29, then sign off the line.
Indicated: h=9 m=58
